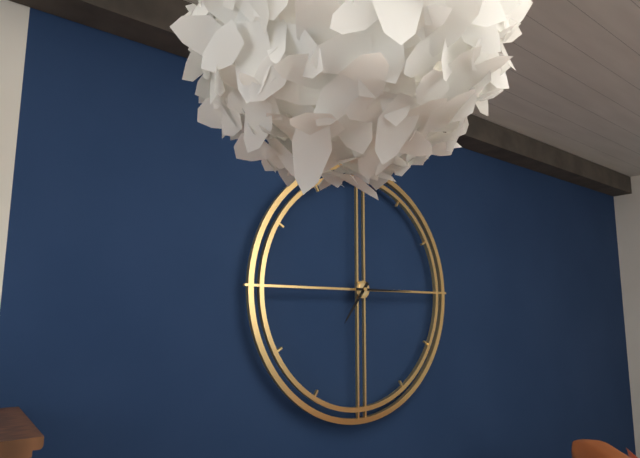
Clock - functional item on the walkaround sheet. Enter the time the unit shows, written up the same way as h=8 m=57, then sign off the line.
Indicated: h=7 m=15
